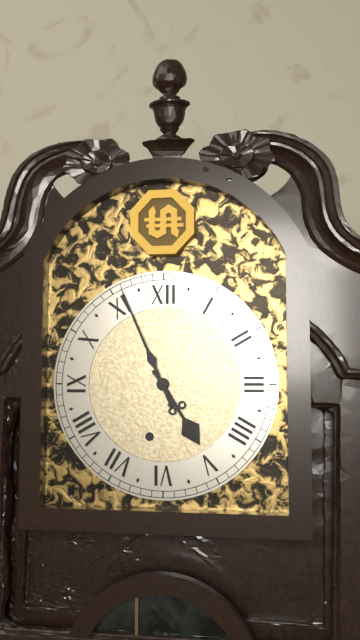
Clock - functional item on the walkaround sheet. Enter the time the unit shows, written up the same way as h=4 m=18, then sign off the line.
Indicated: h=4 m=56
